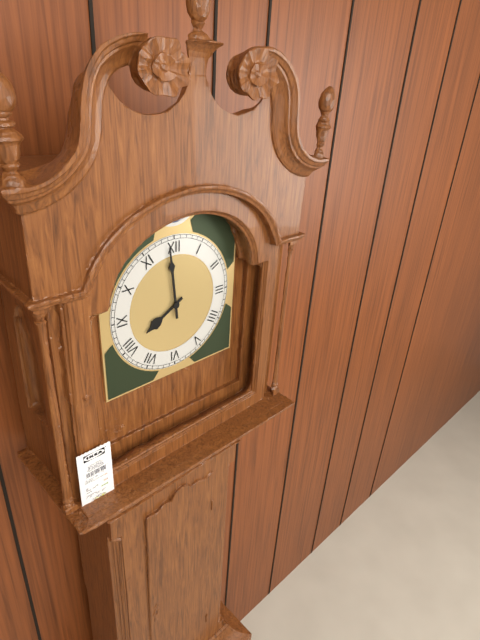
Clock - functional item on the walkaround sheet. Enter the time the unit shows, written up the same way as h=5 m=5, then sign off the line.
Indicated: h=7 m=59
